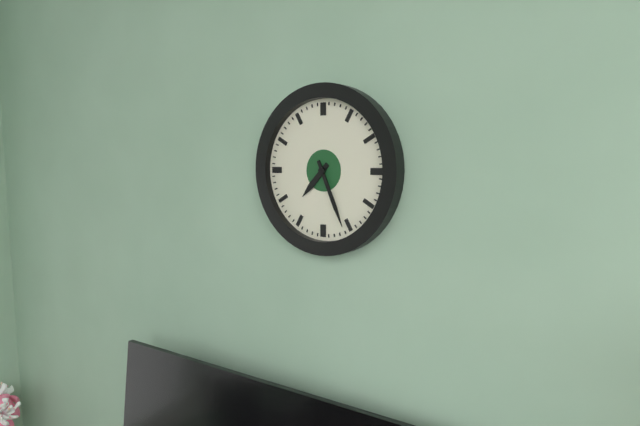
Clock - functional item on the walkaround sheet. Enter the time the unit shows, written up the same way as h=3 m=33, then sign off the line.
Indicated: h=7 m=26
